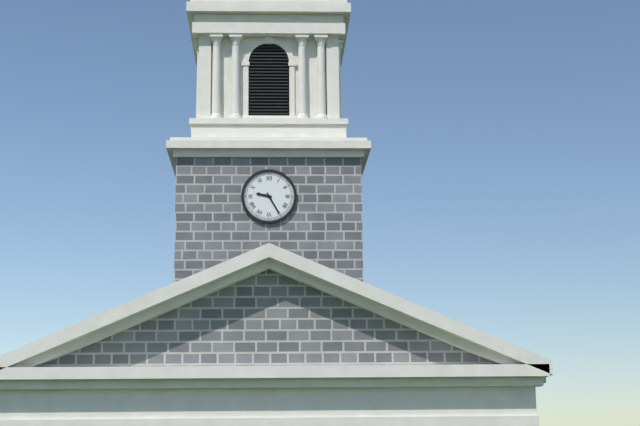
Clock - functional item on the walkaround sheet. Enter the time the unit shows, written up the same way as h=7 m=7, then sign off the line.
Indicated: h=9 m=25
